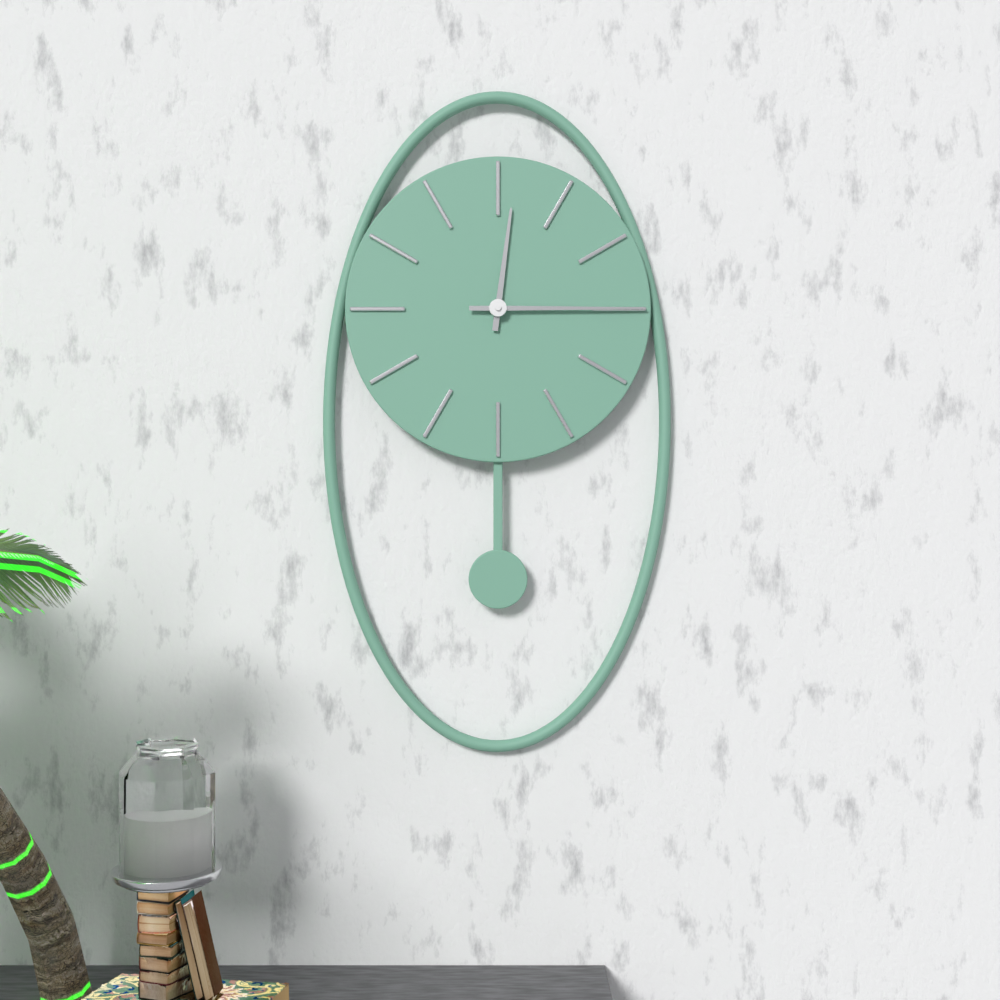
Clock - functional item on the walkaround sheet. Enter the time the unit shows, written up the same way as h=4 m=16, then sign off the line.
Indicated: h=12 m=15
